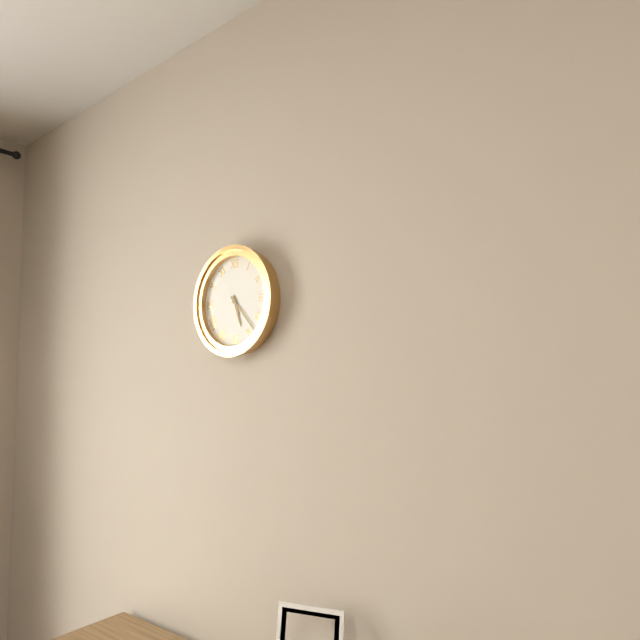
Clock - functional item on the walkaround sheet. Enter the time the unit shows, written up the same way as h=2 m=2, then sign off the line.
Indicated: h=5 m=23
